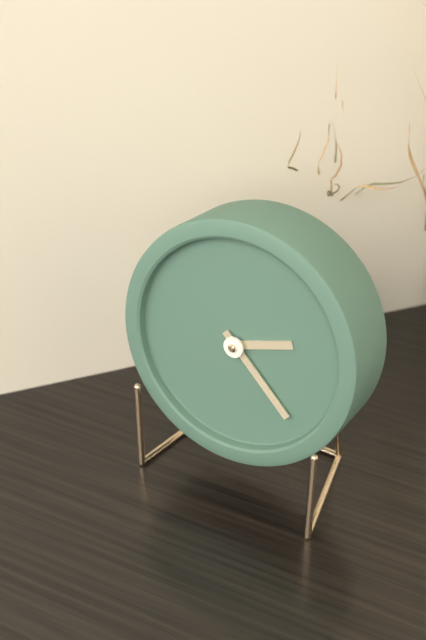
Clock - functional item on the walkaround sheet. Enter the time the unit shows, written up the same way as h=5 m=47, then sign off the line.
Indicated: h=2 m=22
